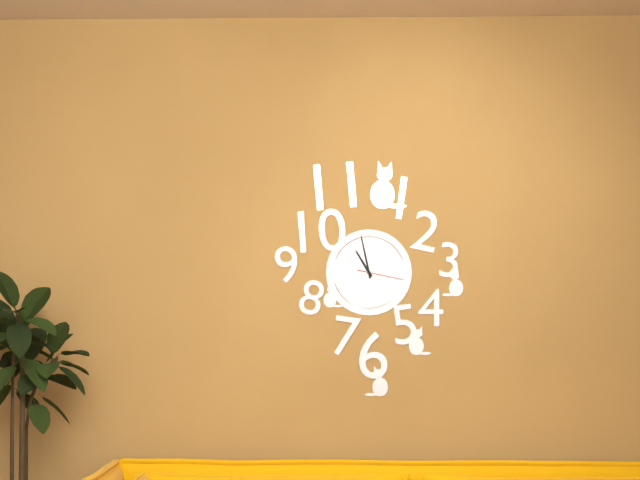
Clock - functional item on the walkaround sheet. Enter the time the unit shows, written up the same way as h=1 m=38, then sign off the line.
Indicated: h=10 m=58
